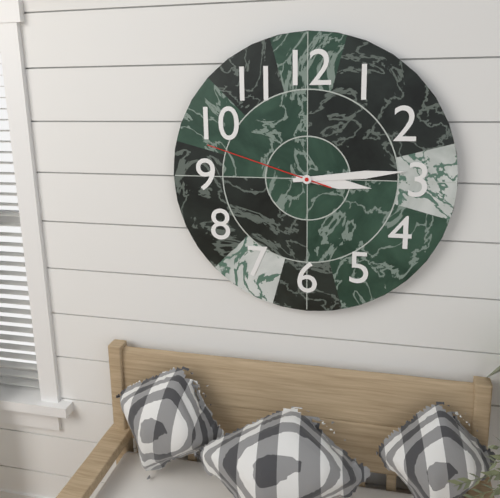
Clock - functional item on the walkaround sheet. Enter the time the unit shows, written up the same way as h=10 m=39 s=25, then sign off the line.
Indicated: h=3 m=14 s=48
